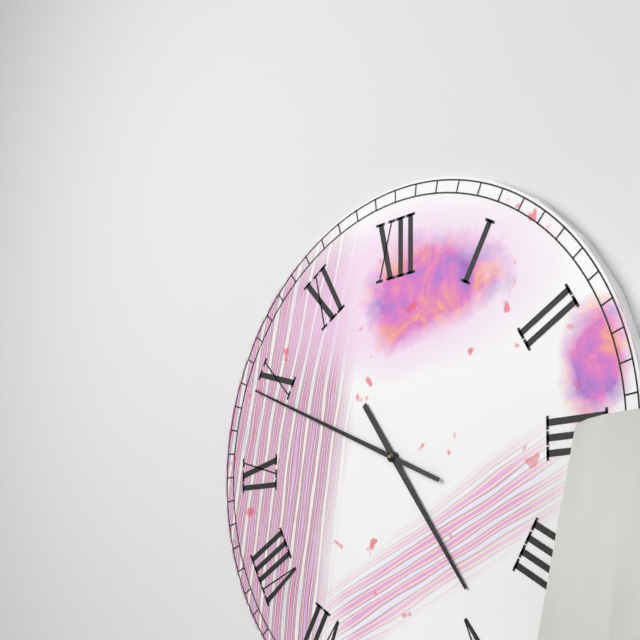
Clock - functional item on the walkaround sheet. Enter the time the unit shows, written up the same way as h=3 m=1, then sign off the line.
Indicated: h=4 m=49
